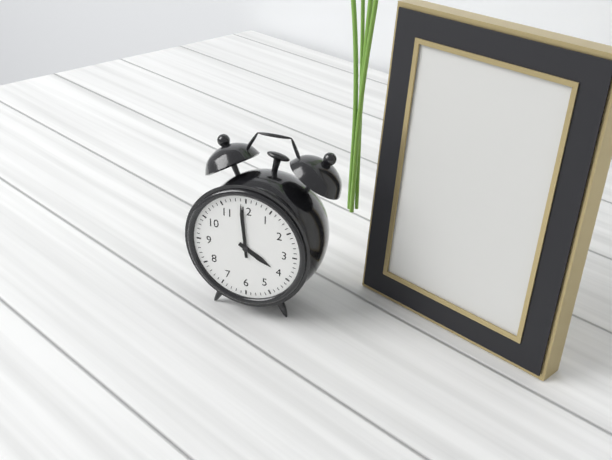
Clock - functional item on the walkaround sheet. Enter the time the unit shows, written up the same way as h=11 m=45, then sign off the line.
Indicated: h=3 m=59
